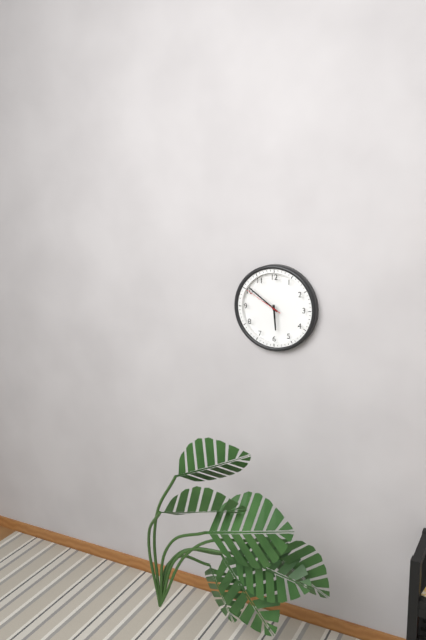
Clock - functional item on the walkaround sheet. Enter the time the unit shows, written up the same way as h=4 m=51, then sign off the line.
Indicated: h=5 m=51
